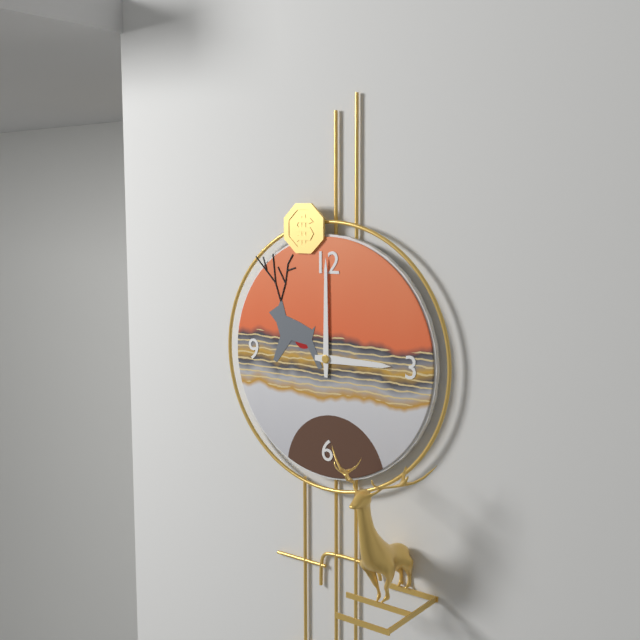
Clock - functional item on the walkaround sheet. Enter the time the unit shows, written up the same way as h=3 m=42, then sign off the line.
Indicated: h=3 m=0
